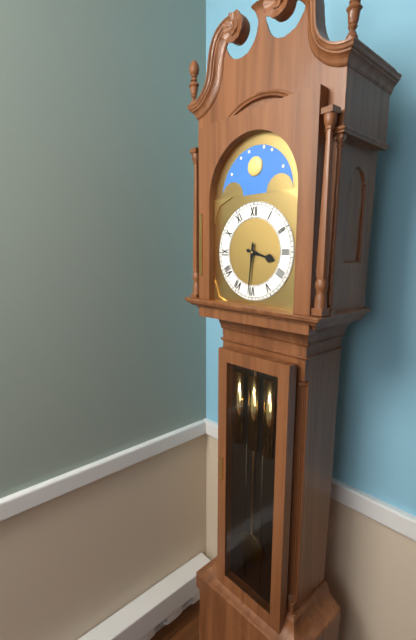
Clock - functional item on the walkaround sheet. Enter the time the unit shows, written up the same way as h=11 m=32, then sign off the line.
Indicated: h=3 m=31
